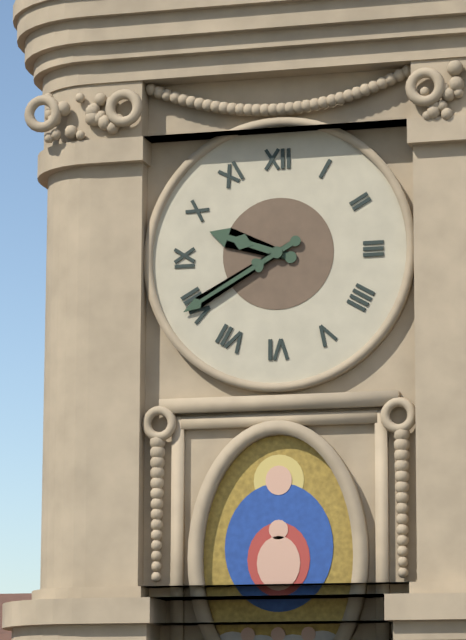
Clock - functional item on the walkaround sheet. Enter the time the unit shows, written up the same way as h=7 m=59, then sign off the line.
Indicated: h=9 m=40
